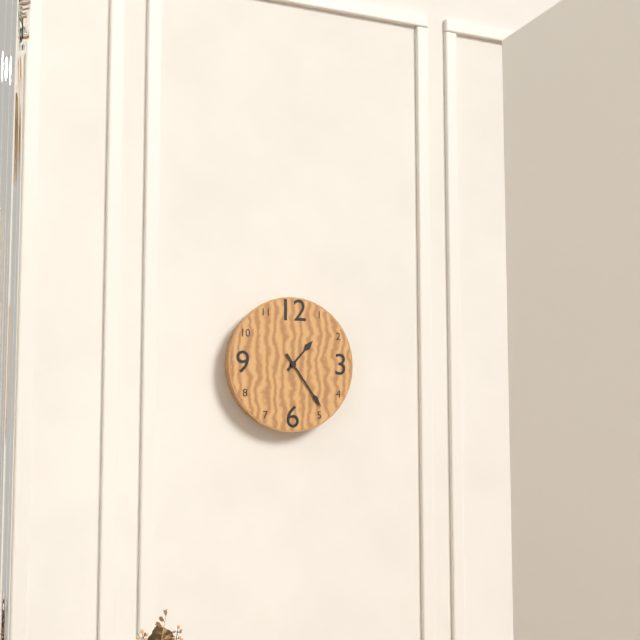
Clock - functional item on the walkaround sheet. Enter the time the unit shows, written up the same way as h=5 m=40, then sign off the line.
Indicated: h=1 m=24
